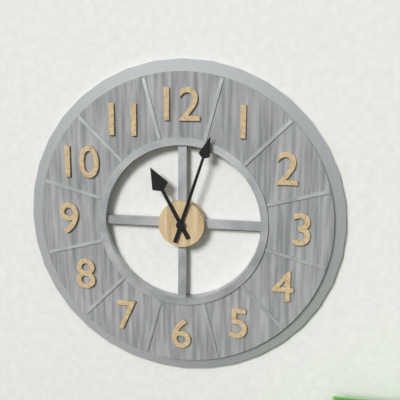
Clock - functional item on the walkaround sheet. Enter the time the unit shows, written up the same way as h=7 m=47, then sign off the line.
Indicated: h=11 m=3
